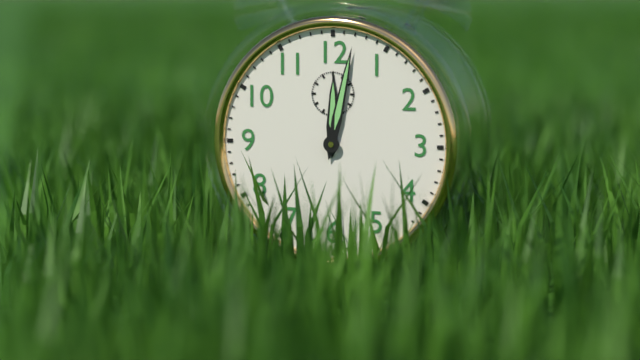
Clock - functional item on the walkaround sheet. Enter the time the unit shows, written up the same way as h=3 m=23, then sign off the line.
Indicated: h=12 m=2
